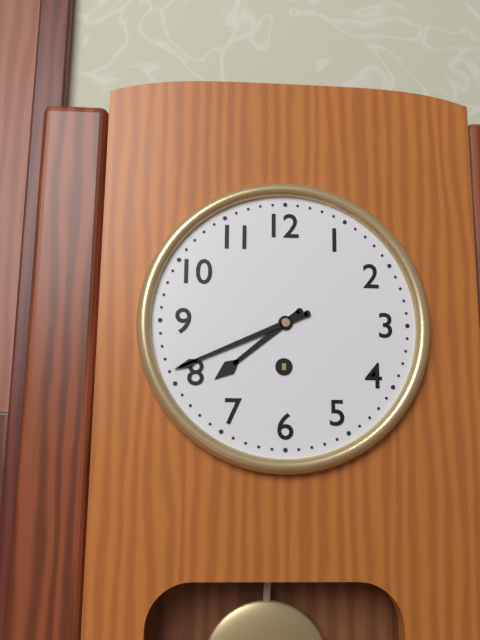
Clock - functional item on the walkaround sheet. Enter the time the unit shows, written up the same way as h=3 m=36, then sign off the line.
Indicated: h=7 m=41
